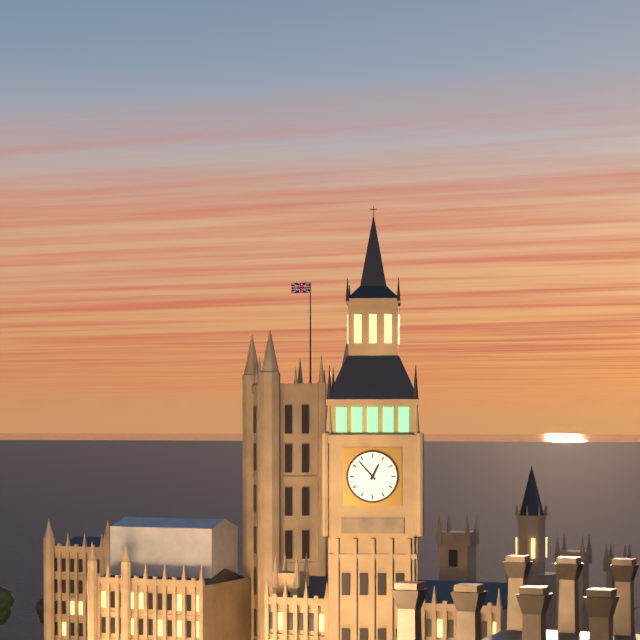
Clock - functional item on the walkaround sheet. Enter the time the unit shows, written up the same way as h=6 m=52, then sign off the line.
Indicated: h=12 m=53
